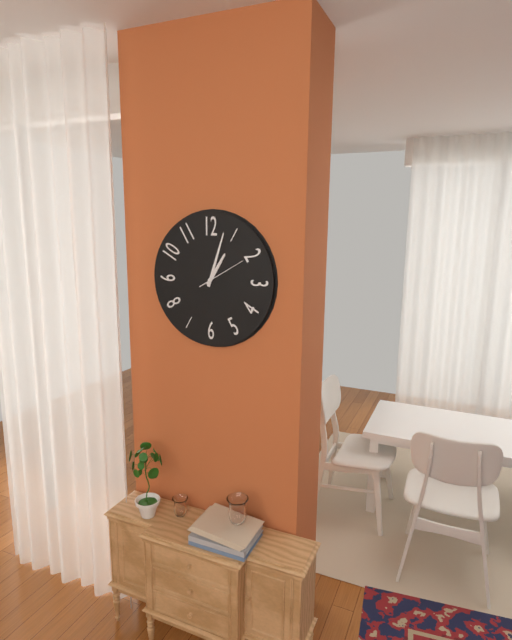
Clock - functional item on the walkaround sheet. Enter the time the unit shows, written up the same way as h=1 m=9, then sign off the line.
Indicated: h=1 m=3
